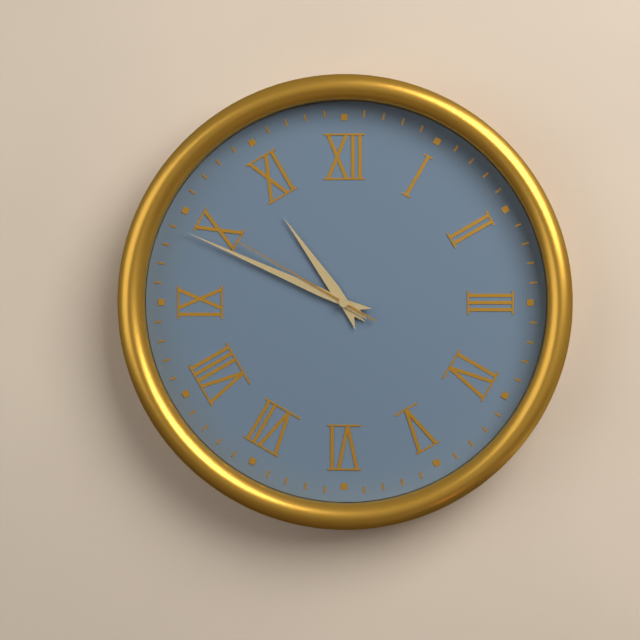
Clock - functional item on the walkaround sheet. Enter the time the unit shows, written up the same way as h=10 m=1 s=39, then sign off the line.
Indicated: h=10 m=49 s=50
